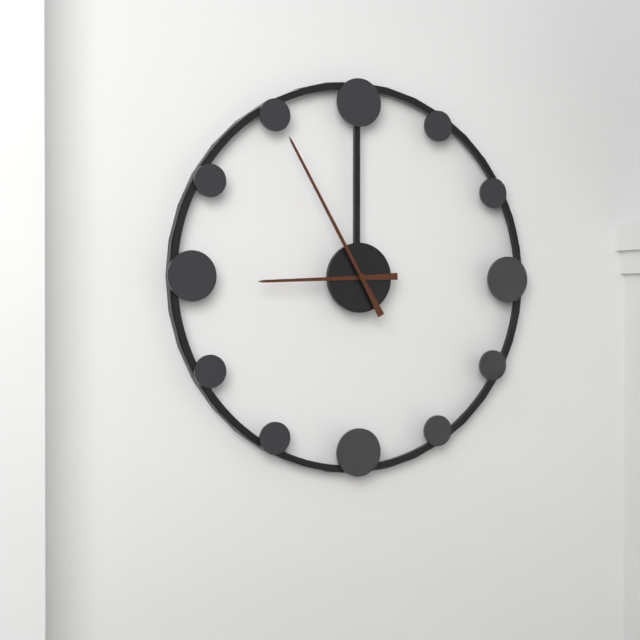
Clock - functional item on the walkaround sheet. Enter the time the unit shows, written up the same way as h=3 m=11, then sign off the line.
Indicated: h=8 m=55
